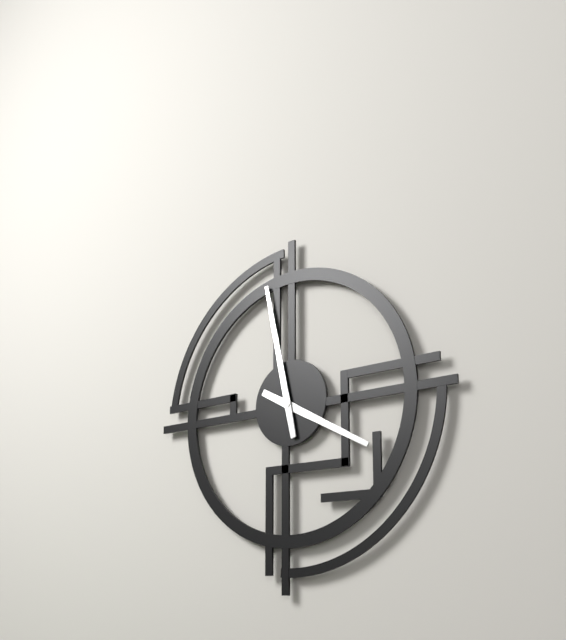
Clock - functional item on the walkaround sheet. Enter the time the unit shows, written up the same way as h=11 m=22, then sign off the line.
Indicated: h=3 m=58
